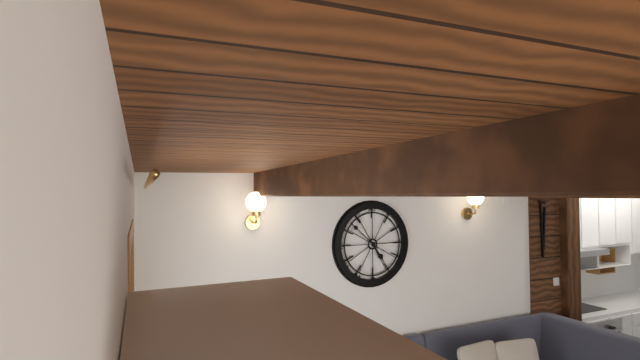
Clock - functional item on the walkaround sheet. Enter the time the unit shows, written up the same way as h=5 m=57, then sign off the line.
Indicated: h=4 m=52
